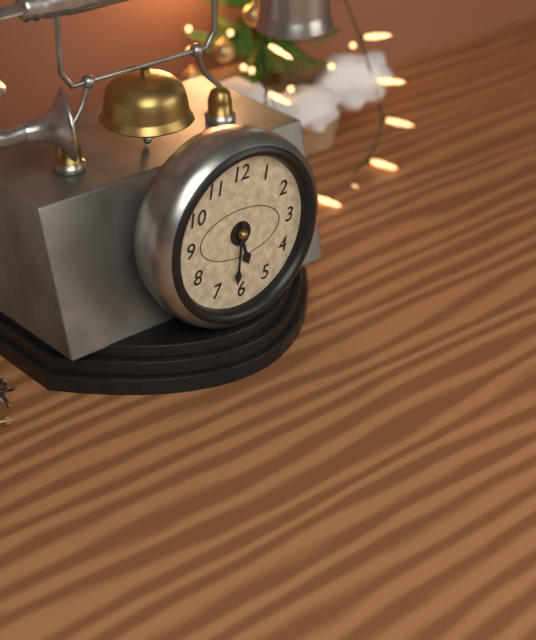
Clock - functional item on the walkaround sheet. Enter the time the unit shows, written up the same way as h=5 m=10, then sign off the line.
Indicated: h=5 m=31
